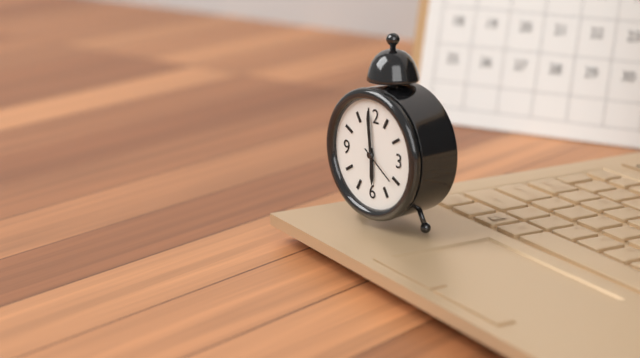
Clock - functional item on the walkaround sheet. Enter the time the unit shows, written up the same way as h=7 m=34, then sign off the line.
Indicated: h=5 m=59
